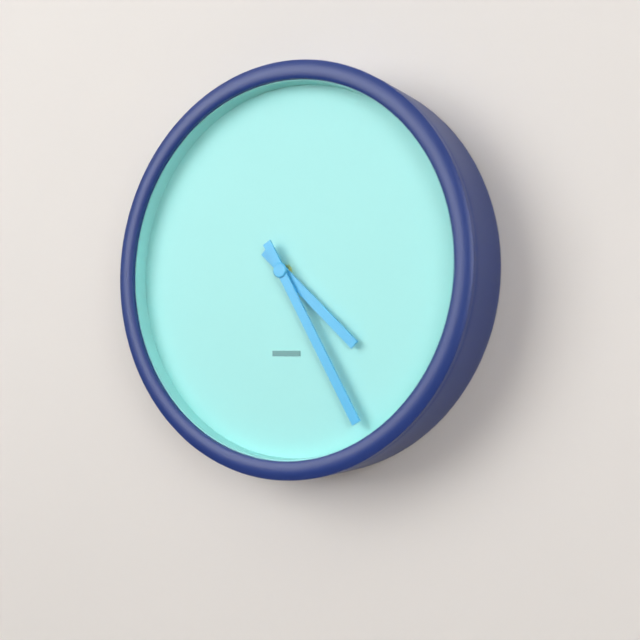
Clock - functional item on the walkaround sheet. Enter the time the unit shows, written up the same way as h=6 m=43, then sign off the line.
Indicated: h=4 m=25
